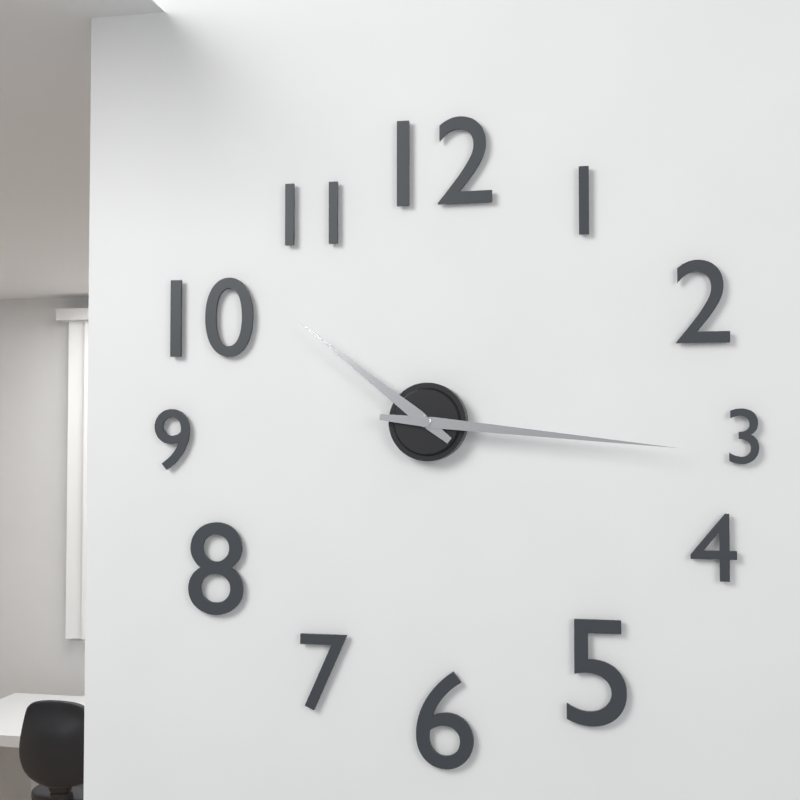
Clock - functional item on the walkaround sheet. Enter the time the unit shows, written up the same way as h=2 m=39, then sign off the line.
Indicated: h=10 m=16
